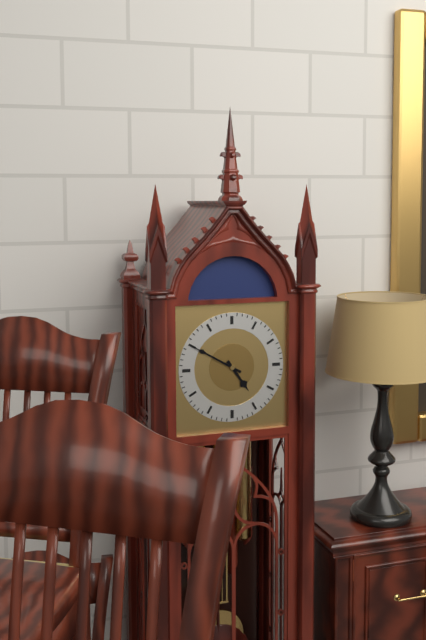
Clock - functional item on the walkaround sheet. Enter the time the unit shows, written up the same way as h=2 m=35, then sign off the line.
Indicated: h=4 m=50
